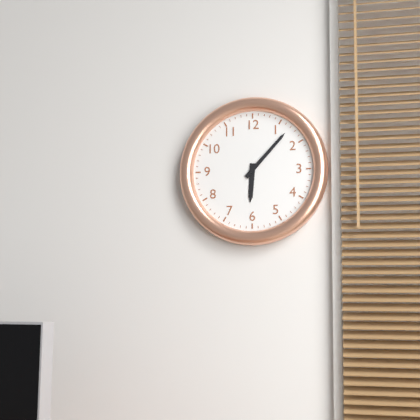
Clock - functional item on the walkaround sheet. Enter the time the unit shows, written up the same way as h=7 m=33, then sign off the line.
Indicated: h=6 m=7
